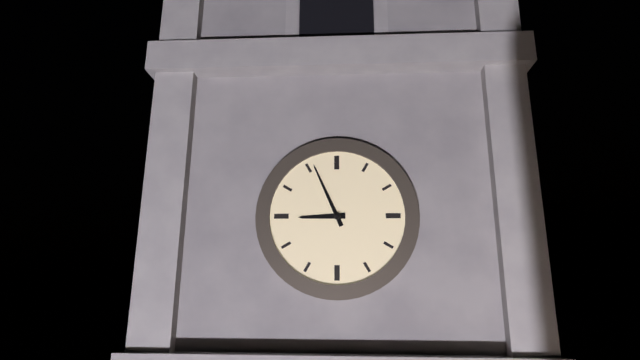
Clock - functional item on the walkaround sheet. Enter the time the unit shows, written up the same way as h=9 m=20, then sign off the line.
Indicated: h=8 m=56
